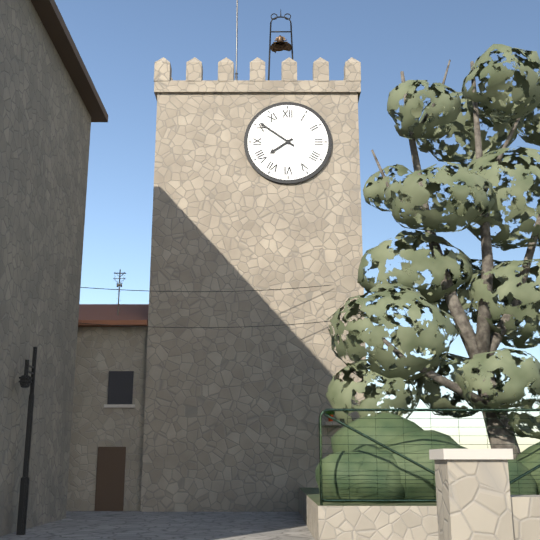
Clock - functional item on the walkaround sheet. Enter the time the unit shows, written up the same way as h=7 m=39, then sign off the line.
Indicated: h=7 m=51
